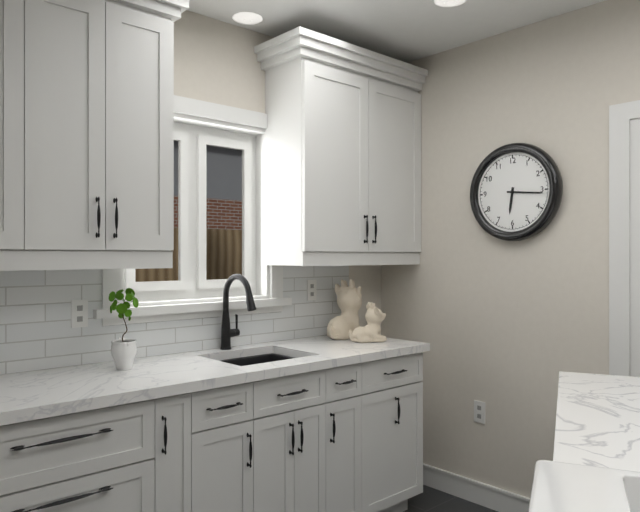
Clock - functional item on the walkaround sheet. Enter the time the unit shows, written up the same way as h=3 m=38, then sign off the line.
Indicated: h=6 m=16
